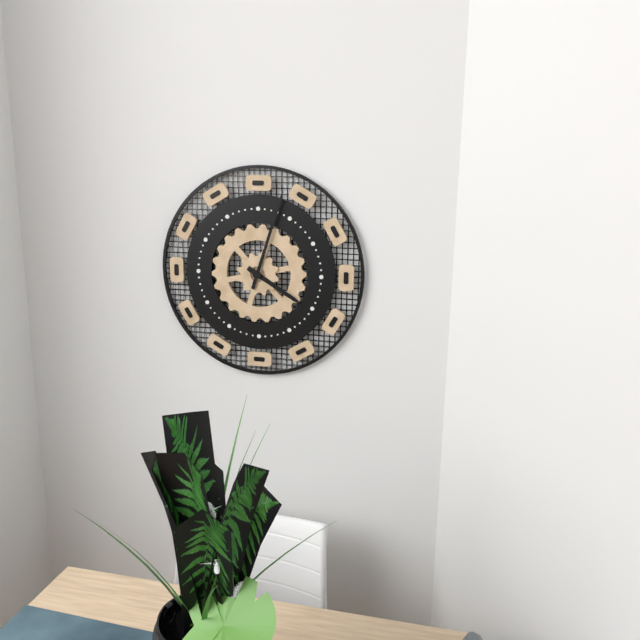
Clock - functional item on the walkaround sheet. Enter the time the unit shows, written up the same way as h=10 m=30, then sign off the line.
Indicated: h=4 m=3
